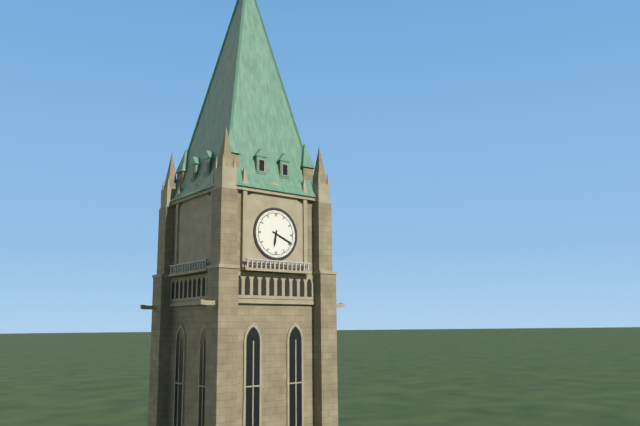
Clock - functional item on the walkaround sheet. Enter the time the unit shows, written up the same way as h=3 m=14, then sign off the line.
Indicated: h=6 m=19
